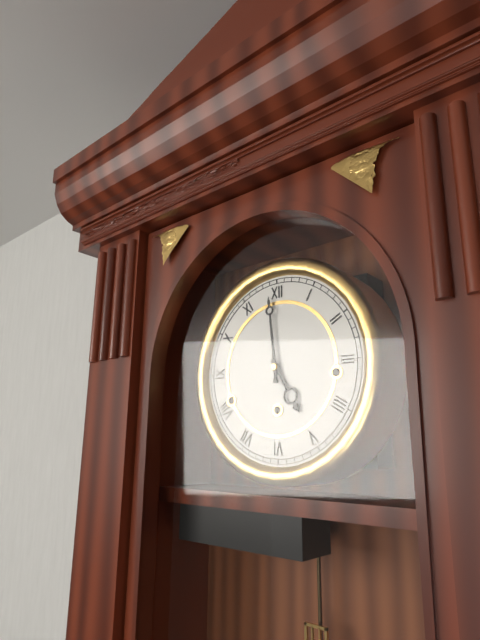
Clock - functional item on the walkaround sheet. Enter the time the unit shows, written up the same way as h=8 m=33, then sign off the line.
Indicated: h=4 m=59
